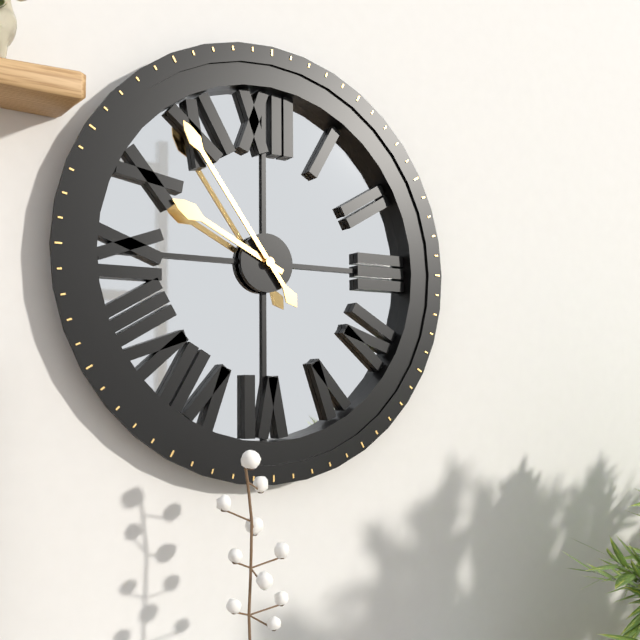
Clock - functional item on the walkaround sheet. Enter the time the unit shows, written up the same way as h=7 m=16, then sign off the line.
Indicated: h=9 m=54
